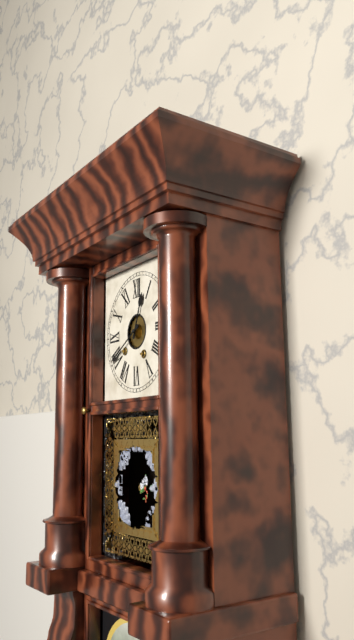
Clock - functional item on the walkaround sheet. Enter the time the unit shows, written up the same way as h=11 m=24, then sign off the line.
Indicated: h=12 m=40
